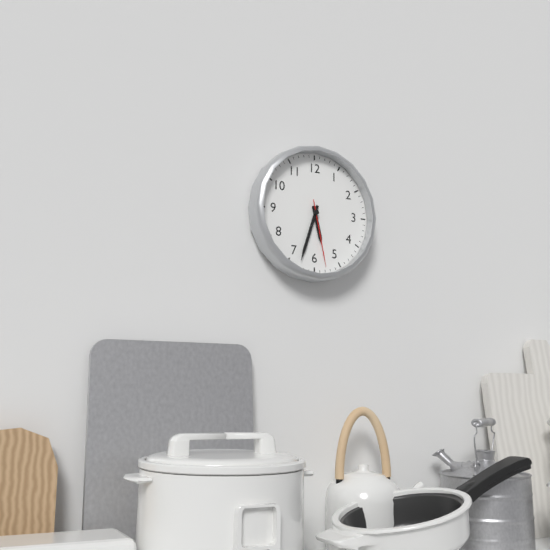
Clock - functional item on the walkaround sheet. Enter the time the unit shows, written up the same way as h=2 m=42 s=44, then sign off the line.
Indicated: h=5 m=33 s=28
